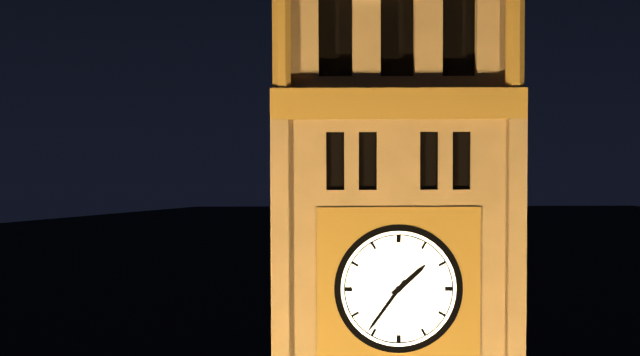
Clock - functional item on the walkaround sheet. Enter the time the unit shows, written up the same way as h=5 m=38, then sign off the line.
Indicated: h=1 m=36
